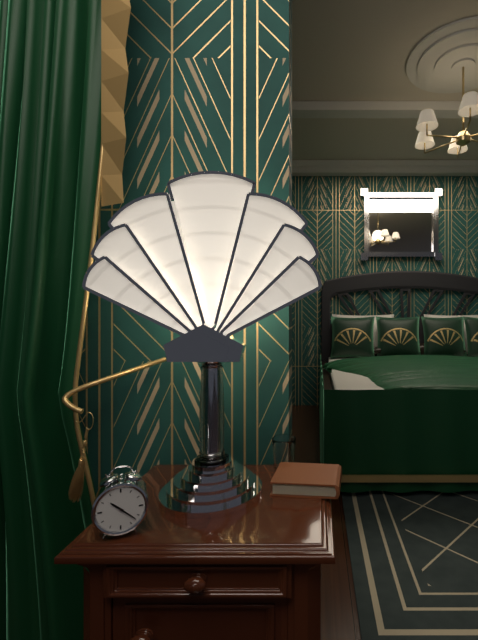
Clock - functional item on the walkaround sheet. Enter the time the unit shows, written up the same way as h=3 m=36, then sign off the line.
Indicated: h=10 m=22
